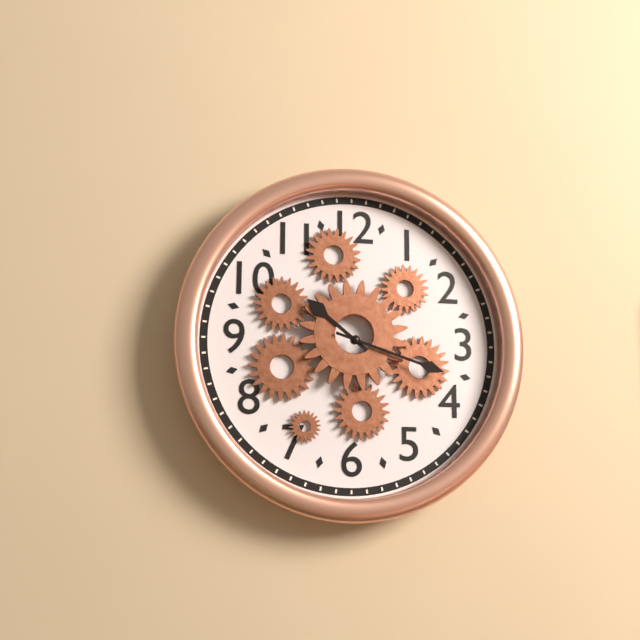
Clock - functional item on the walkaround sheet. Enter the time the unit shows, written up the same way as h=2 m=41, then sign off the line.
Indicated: h=10 m=18
